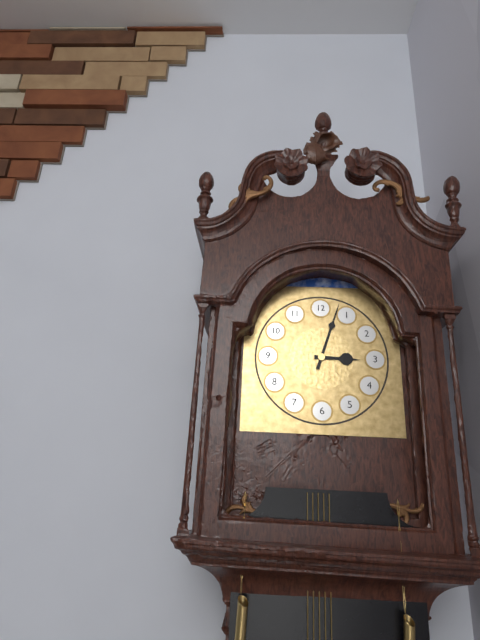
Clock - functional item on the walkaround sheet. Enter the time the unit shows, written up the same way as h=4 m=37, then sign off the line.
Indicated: h=3 m=3
